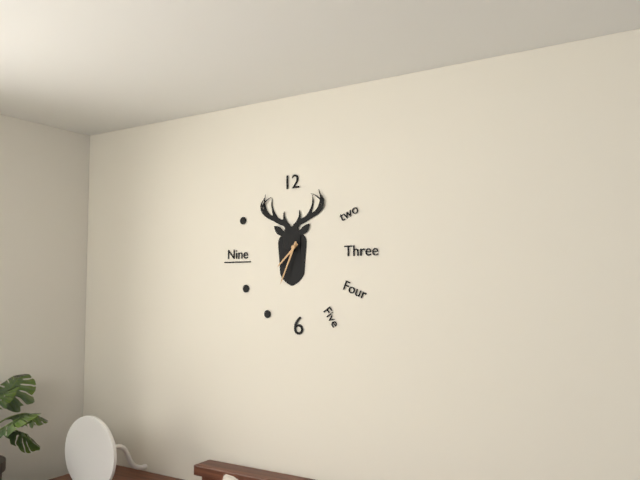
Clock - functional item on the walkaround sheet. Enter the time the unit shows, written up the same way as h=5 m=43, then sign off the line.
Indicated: h=7 m=34
